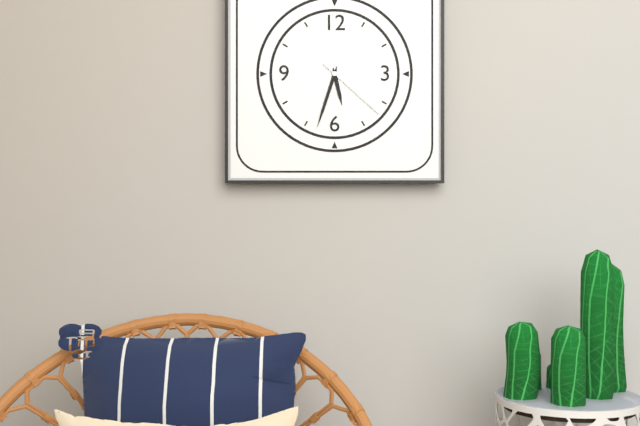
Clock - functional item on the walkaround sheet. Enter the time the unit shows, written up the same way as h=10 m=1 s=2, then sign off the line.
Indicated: h=5 m=33 s=22
